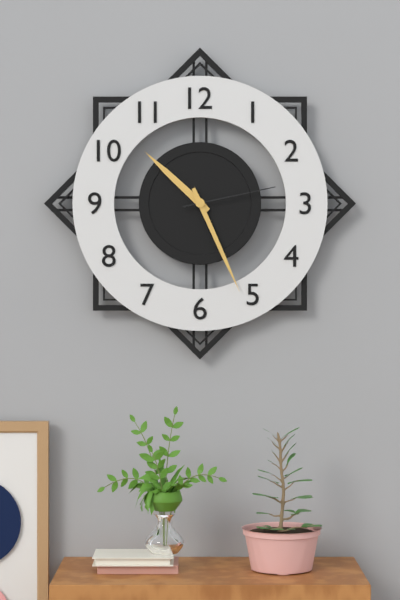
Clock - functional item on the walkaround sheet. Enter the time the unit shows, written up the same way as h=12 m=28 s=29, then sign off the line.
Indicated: h=10 m=26 s=13
